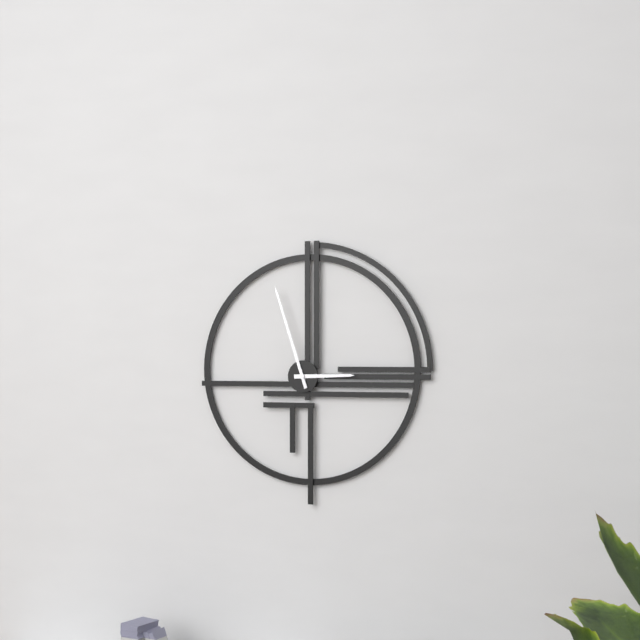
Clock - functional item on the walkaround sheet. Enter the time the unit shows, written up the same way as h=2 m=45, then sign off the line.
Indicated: h=2 m=57
